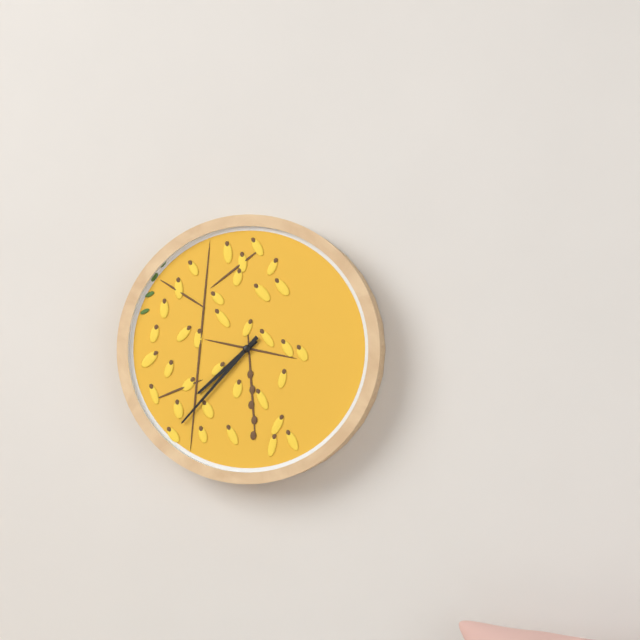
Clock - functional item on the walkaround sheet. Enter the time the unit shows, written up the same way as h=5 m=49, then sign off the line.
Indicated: h=7 m=37
